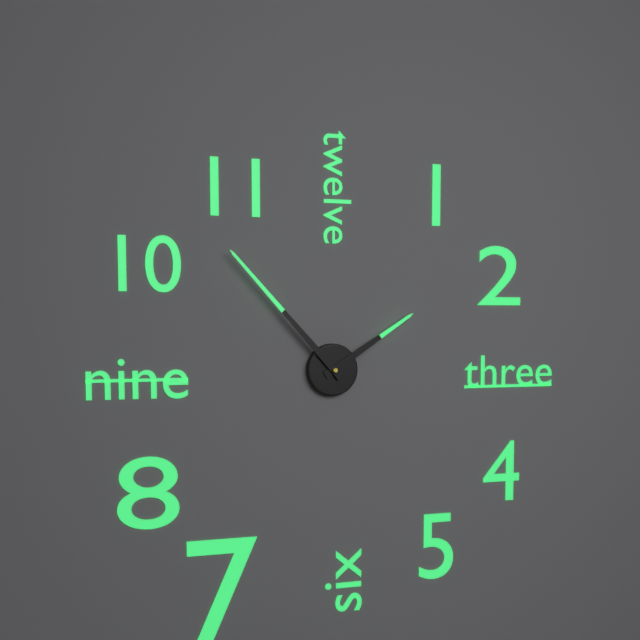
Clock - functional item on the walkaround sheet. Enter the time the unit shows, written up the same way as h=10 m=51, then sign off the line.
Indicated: h=1 m=53
